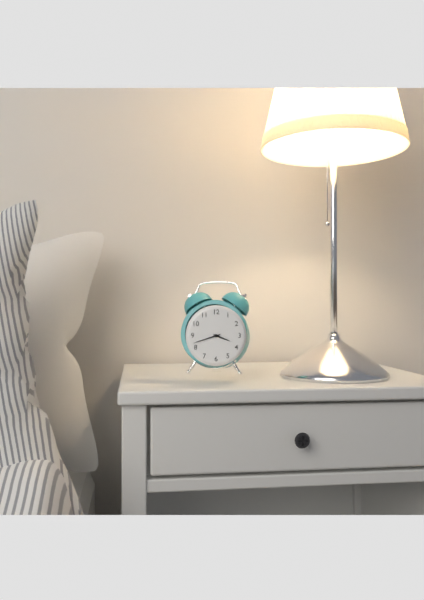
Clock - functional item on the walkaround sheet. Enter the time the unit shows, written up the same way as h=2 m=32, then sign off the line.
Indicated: h=3 m=42
